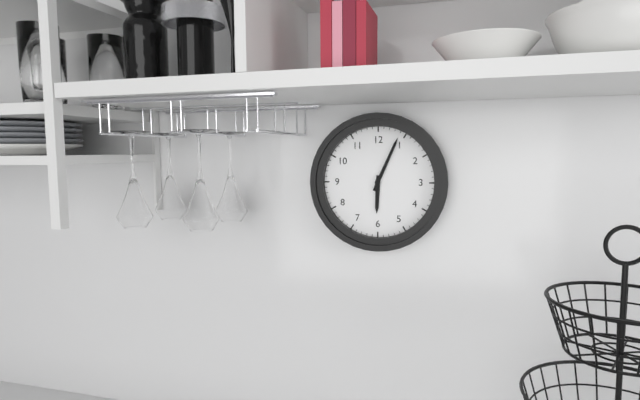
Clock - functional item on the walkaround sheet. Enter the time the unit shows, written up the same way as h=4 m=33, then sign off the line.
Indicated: h=6 m=4
